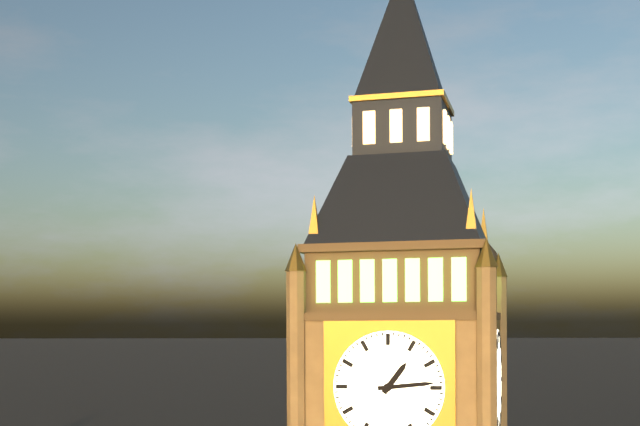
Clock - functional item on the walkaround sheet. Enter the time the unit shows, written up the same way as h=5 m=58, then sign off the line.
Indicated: h=1 m=14
